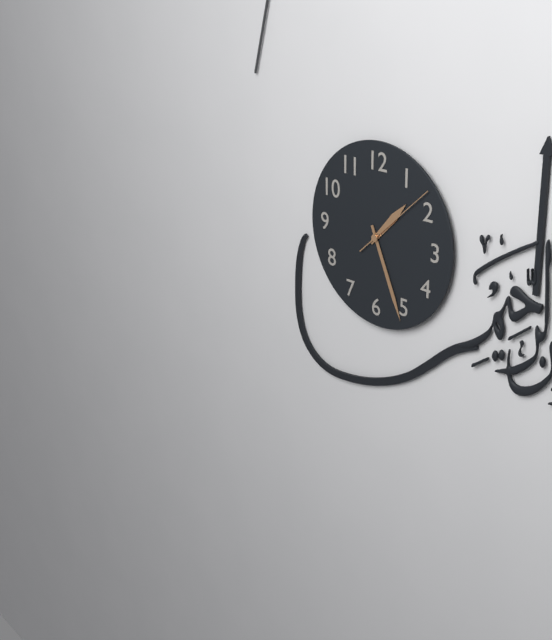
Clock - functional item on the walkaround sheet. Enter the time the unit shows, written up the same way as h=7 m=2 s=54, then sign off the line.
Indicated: h=1 m=26 s=8
